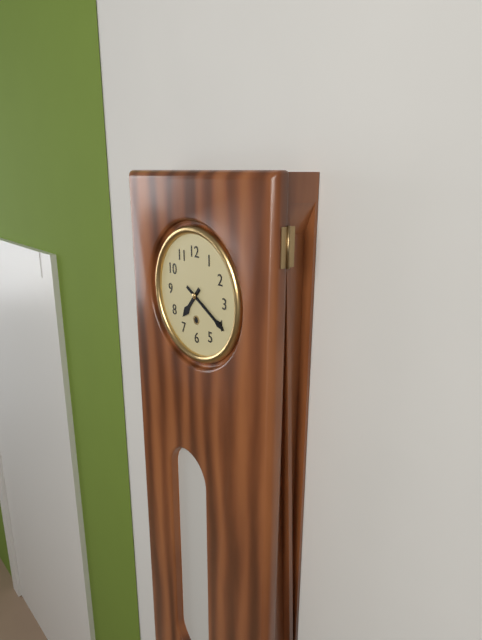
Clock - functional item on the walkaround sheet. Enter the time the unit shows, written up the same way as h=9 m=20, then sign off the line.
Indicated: h=7 m=20
